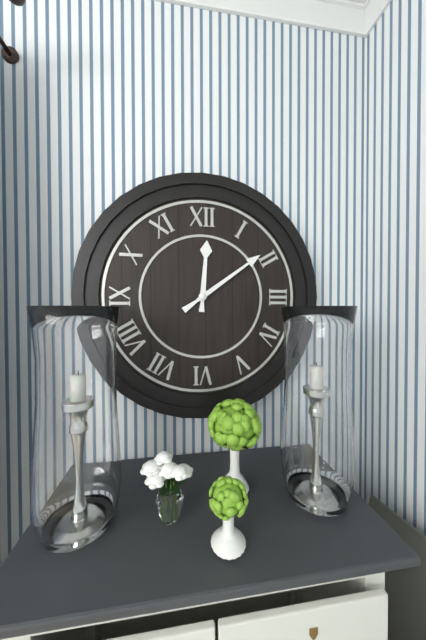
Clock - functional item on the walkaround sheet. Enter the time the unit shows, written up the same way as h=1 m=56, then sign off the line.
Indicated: h=12 m=9
